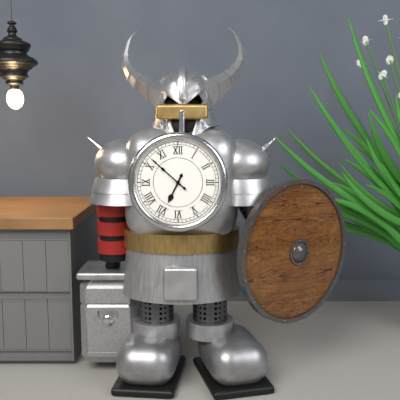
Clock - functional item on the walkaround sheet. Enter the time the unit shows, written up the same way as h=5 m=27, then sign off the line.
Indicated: h=6 m=52
